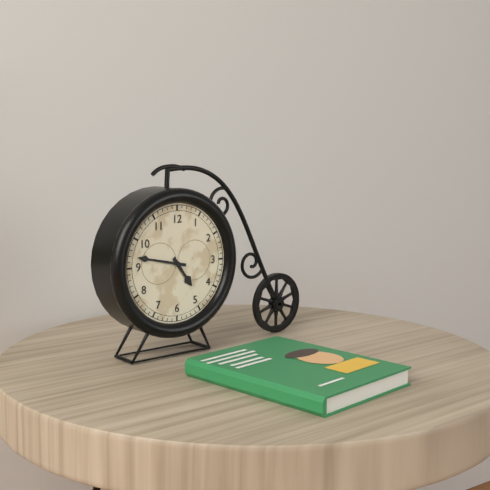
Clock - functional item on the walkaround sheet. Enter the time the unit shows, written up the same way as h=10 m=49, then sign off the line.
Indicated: h=4 m=47
